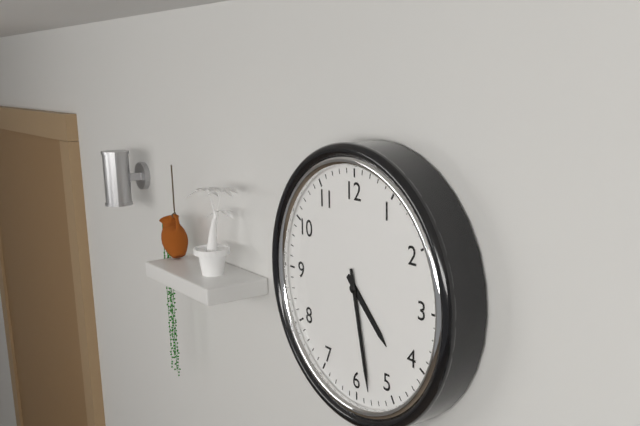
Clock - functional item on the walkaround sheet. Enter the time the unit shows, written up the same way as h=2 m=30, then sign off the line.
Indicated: h=4 m=28
